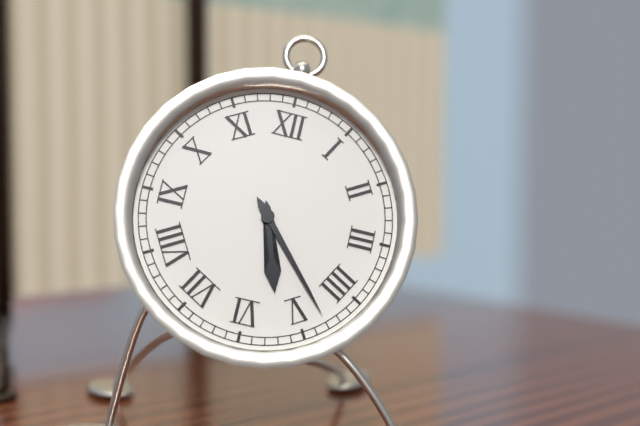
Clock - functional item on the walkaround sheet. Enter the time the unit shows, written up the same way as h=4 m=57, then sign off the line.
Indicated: h=5 m=23
